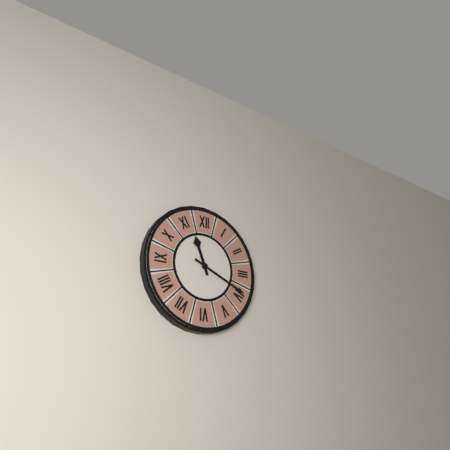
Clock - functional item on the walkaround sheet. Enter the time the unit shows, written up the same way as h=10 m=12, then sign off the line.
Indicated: h=11 m=19
